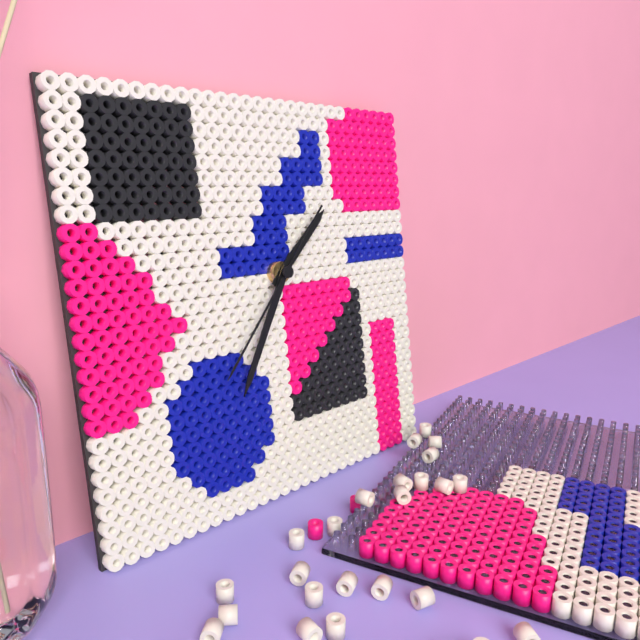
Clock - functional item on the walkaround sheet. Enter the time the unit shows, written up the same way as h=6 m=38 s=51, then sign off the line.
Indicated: h=1 m=35 s=37
